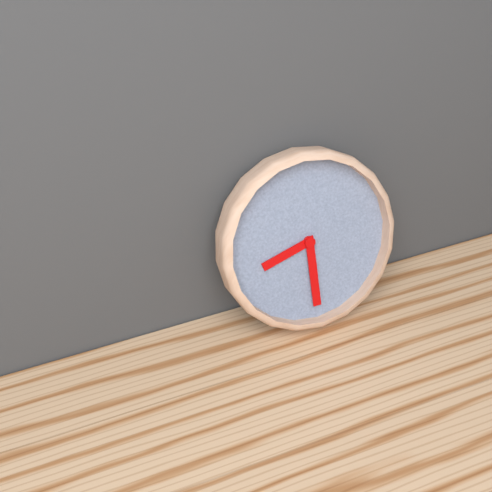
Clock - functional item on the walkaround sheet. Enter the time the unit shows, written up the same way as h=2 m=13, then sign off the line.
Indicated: h=8 m=30
